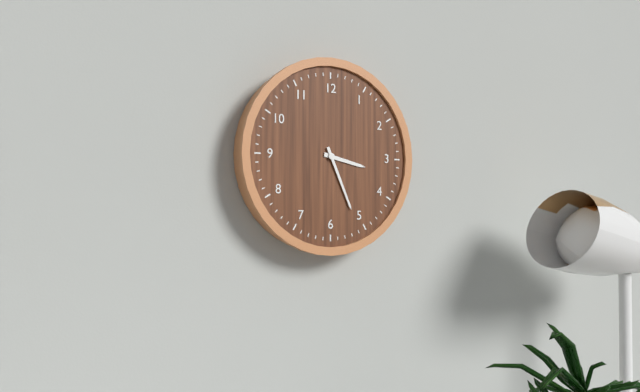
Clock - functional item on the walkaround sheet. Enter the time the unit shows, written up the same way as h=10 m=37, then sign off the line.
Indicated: h=3 m=26
